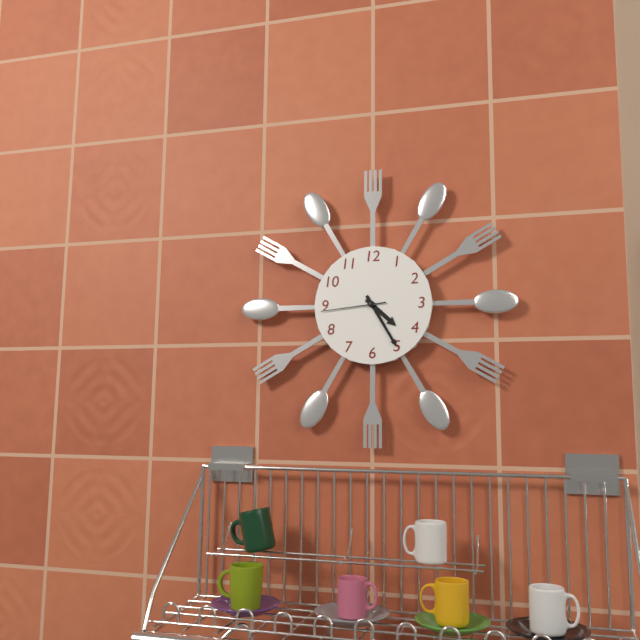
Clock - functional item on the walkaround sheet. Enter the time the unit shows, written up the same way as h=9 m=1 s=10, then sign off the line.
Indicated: h=4 m=25 s=44
